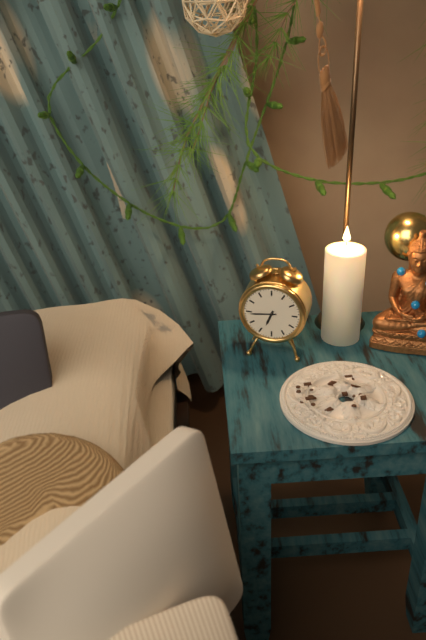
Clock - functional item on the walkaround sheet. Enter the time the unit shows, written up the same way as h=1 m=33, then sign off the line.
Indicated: h=6 m=44
